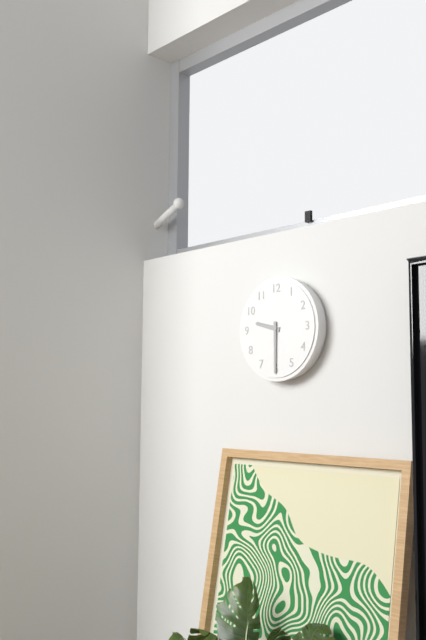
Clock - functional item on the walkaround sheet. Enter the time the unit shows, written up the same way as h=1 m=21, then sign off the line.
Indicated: h=9 m=30
